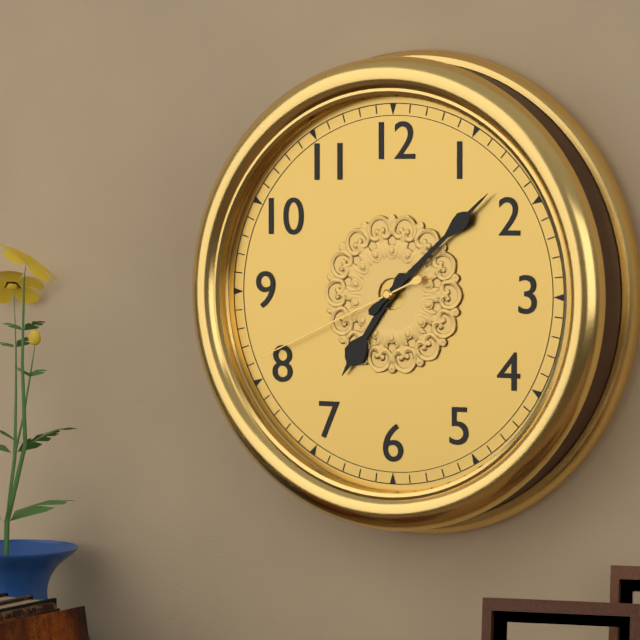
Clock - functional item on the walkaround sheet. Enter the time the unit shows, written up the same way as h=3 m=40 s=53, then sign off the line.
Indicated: h=7 m=8 s=41
